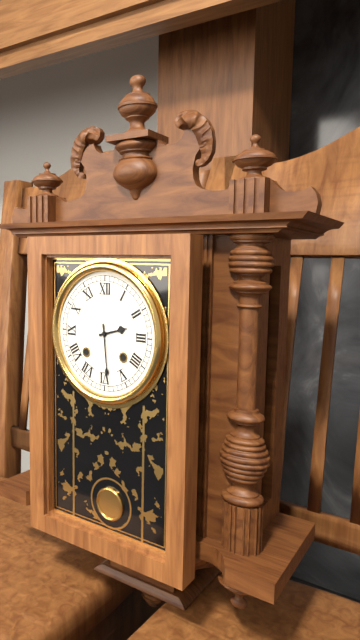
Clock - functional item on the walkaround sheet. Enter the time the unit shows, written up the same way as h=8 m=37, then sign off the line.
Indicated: h=2 m=29
